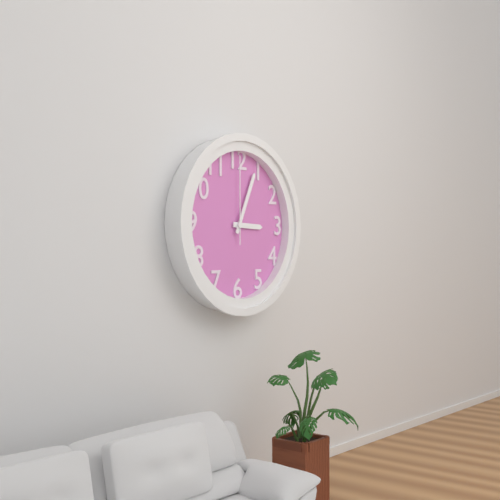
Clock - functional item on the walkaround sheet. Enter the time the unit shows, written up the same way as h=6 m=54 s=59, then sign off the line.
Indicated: h=3 m=4 s=0
